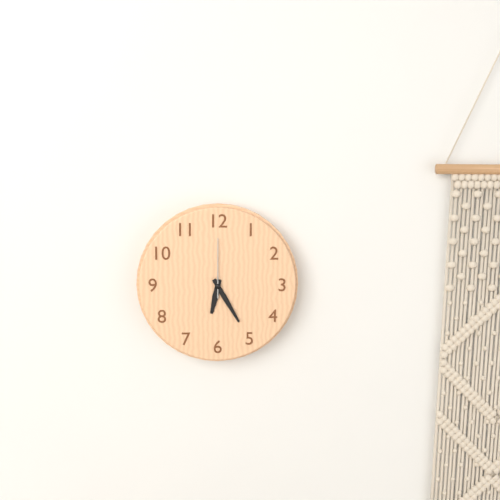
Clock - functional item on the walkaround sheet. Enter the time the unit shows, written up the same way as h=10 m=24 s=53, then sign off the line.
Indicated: h=6 m=25 s=0
